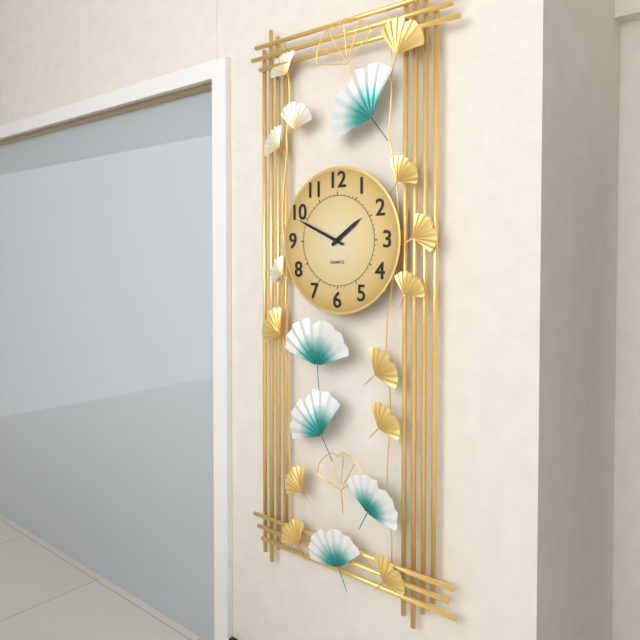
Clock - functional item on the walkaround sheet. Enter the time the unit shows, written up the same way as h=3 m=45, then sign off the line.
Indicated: h=1 m=49
